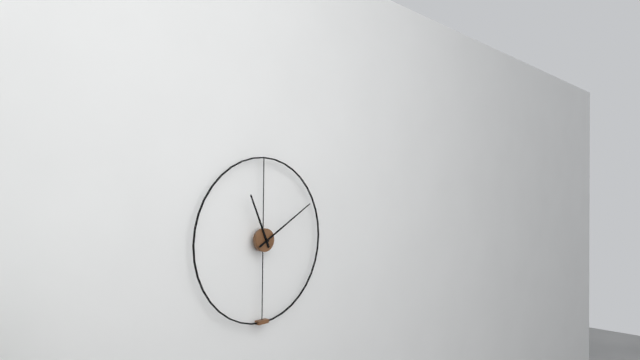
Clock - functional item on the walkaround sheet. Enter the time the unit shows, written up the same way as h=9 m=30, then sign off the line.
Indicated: h=11 m=10
